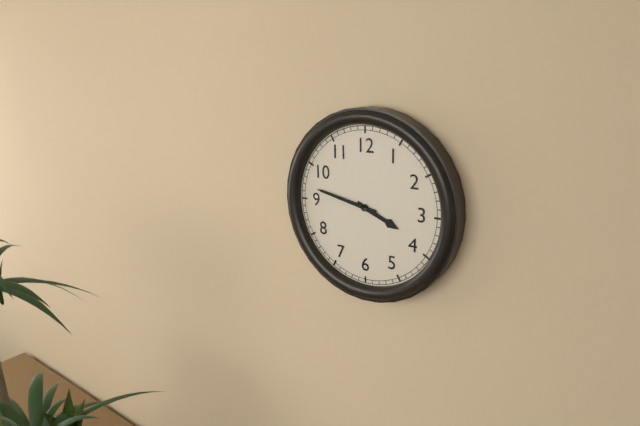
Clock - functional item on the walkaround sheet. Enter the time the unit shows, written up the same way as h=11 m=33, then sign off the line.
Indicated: h=3 m=47
